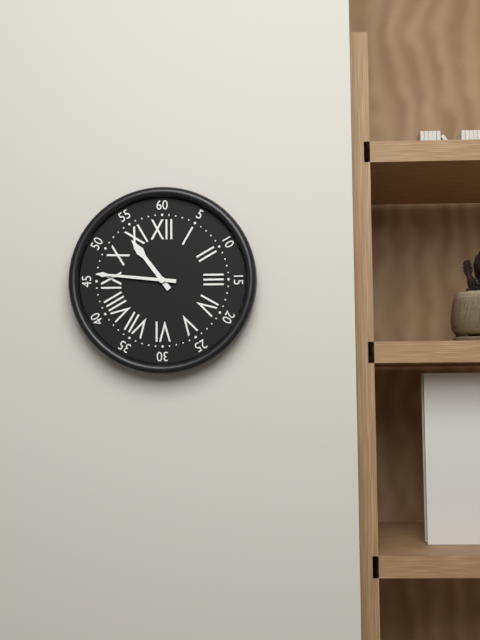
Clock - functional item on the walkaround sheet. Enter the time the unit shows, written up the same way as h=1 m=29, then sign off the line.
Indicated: h=10 m=46
